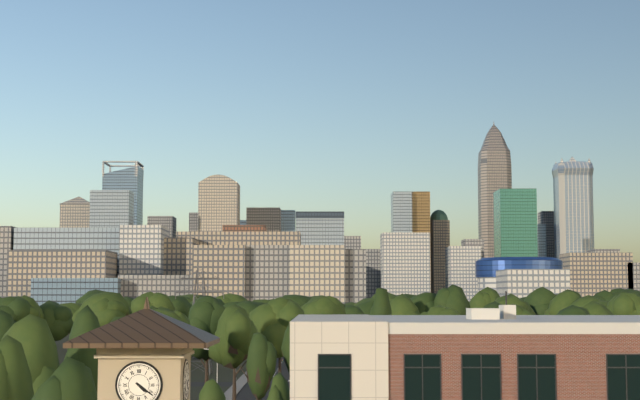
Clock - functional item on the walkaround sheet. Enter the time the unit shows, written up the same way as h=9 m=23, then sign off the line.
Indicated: h=4 m=21
